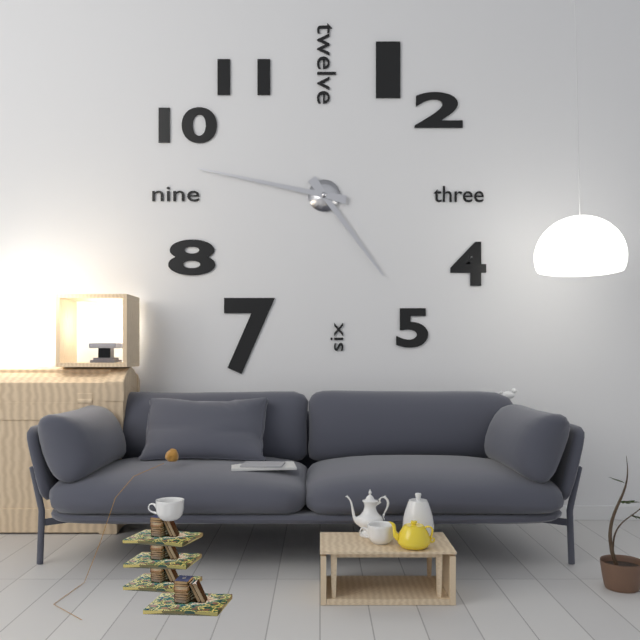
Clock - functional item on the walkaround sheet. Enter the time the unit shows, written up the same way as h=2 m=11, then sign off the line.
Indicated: h=4 m=47
